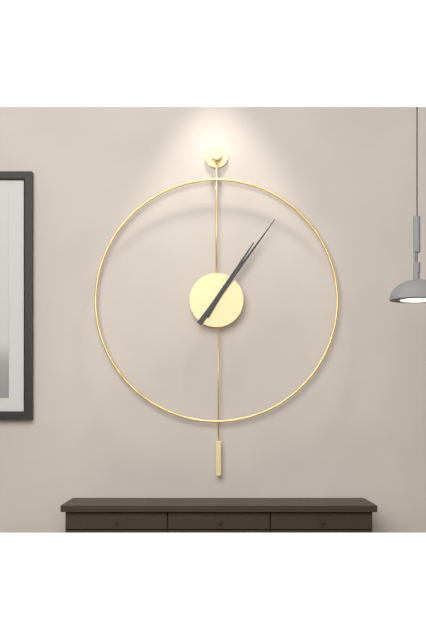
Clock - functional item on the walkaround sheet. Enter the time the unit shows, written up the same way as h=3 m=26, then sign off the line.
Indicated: h=1 m=6
